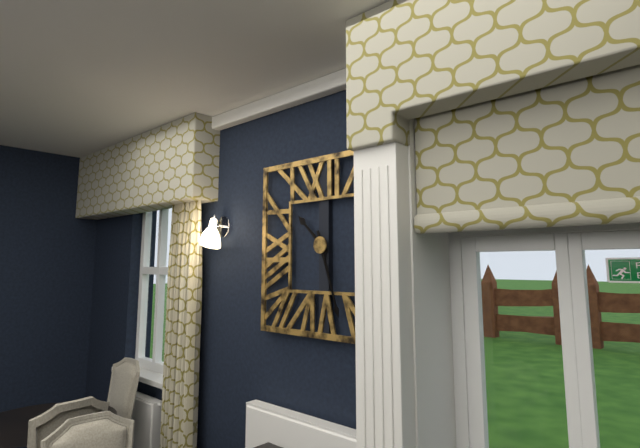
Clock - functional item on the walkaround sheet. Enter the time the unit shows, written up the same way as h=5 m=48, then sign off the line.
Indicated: h=10 m=27
